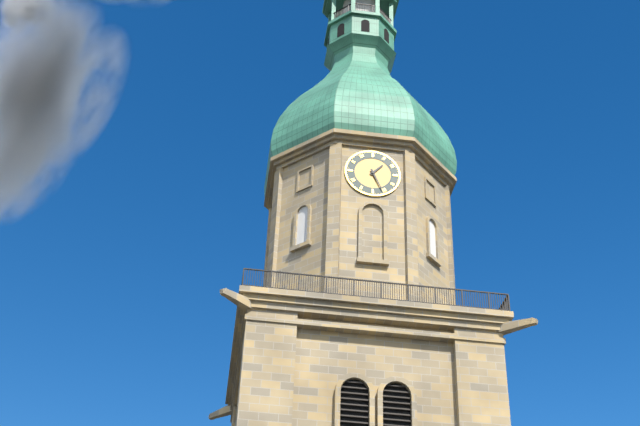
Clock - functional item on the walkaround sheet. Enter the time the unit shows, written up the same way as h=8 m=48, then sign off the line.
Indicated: h=1 m=26
